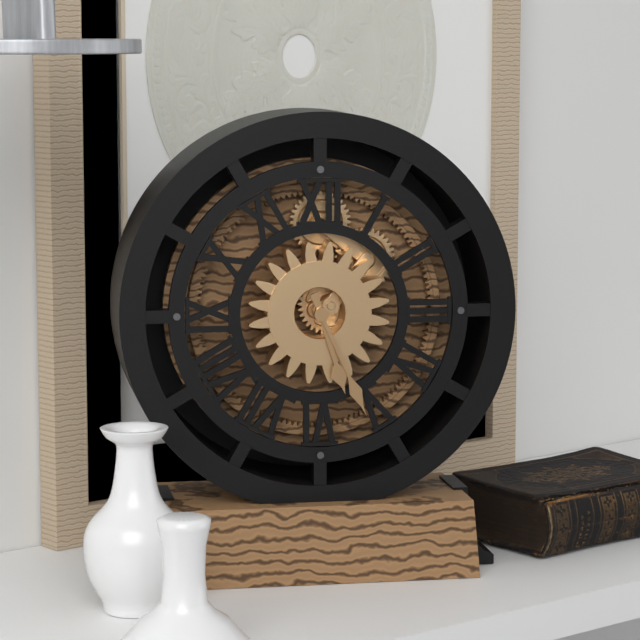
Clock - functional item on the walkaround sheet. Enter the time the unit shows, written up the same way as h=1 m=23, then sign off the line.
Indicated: h=5 m=26
